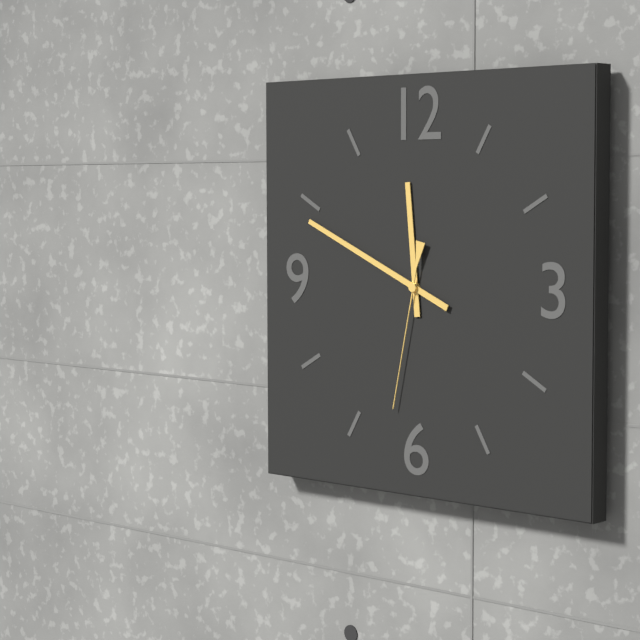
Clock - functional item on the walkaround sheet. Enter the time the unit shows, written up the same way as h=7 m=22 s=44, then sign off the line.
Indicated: h=11 m=49 s=32
